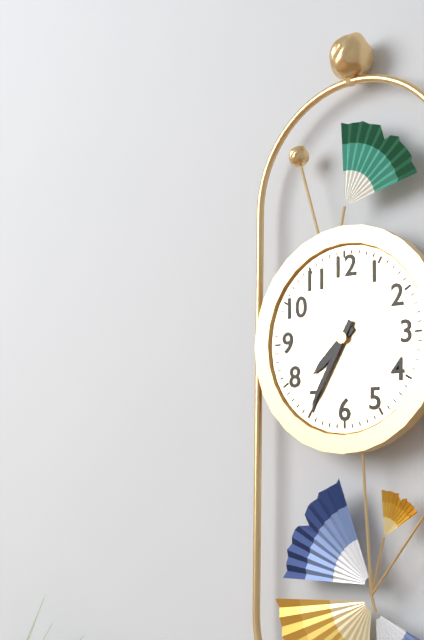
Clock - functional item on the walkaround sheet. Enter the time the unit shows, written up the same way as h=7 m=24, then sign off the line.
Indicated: h=7 m=35
